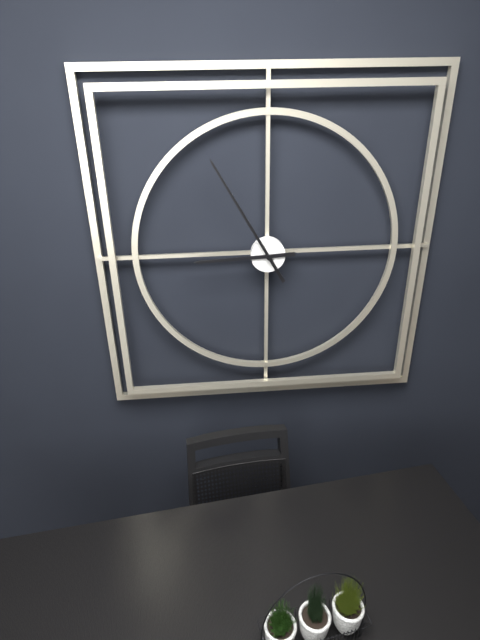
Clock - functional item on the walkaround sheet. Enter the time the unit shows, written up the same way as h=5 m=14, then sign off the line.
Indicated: h=8 m=55
